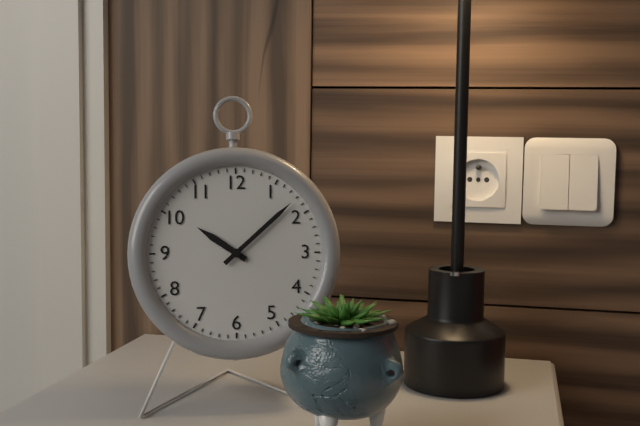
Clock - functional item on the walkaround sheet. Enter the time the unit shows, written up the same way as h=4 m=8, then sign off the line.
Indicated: h=10 m=8
